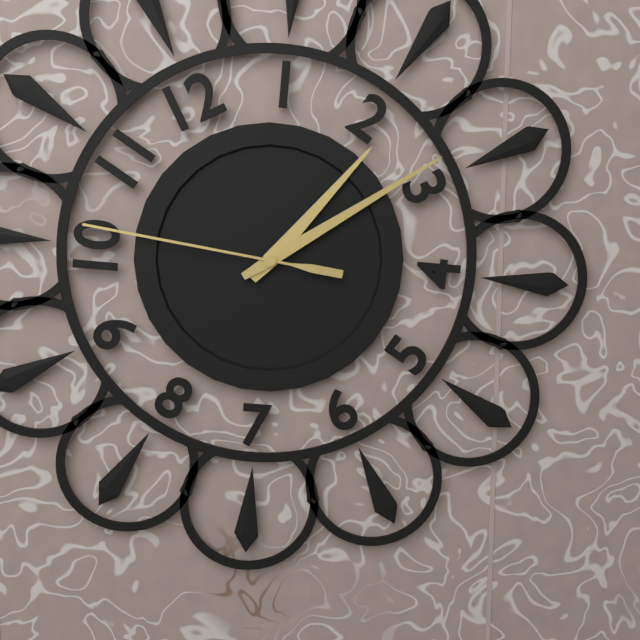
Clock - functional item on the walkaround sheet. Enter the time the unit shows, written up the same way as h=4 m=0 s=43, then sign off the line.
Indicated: h=2 m=14 s=51
